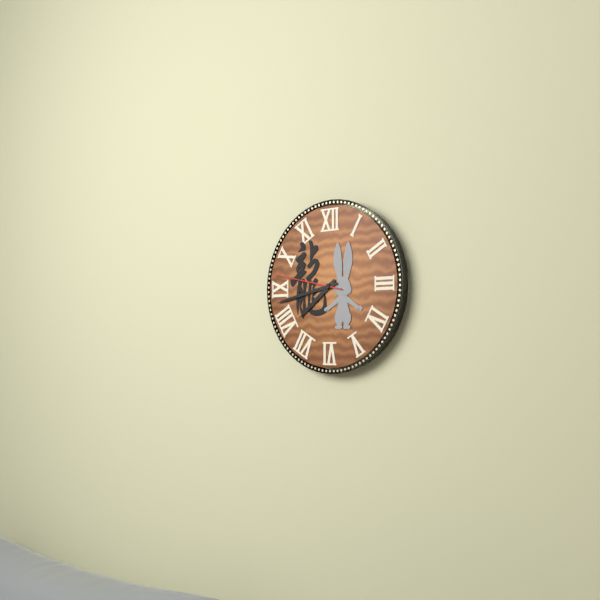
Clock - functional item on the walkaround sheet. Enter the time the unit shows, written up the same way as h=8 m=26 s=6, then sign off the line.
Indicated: h=7 m=43 s=47
